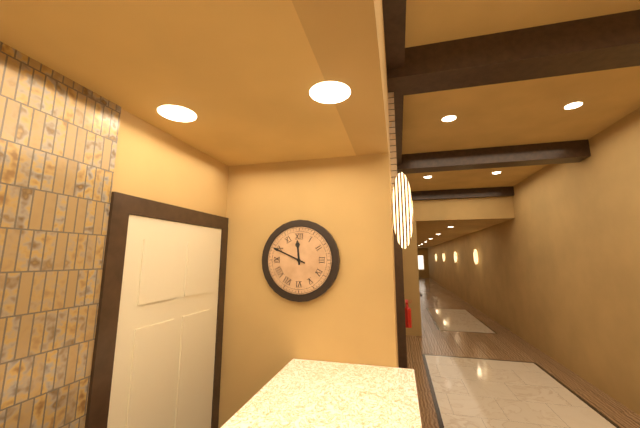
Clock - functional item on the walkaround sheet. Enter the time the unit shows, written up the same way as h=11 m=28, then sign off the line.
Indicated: h=11 m=49
